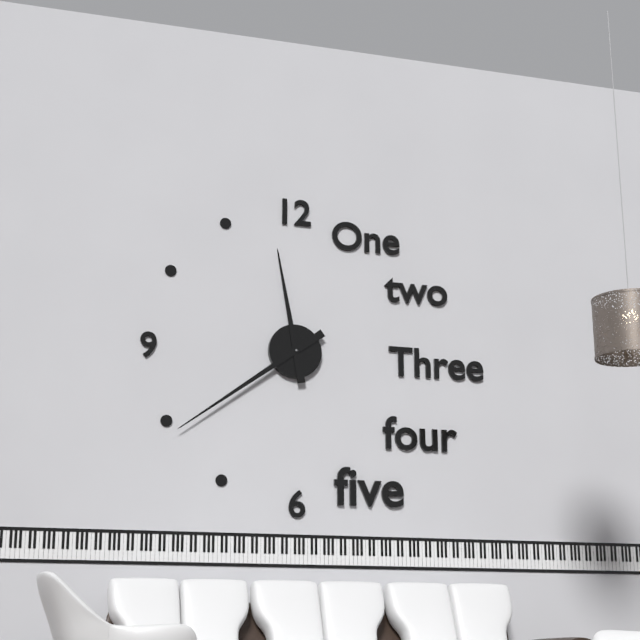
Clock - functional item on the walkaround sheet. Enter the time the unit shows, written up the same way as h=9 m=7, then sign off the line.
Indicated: h=11 m=39
